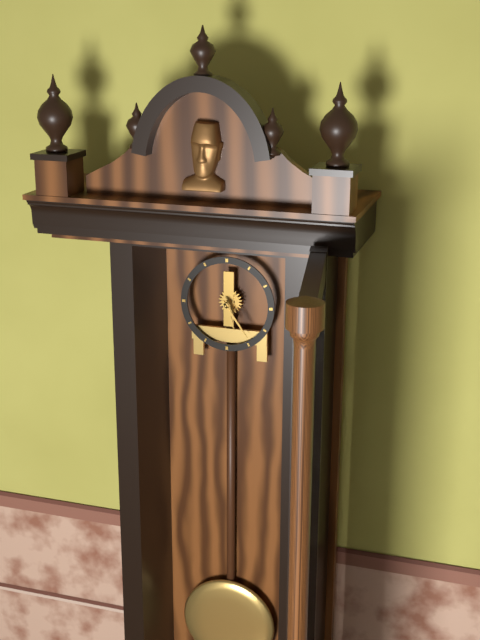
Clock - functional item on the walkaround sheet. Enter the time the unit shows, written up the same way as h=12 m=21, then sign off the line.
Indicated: h=5 m=24
